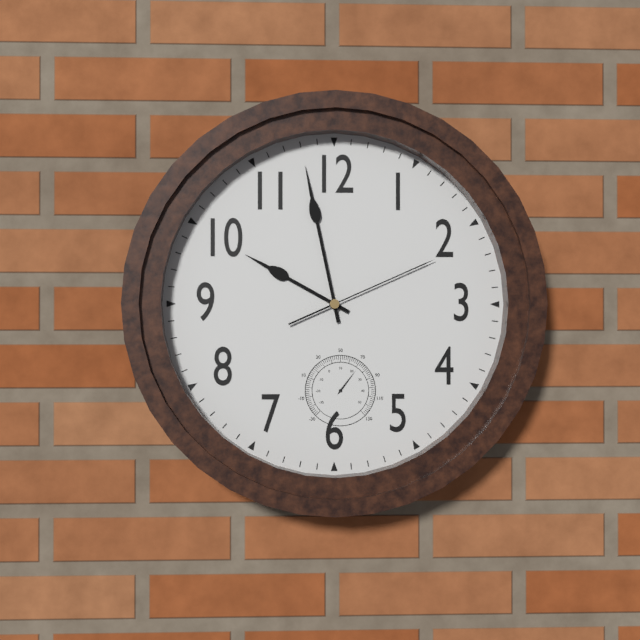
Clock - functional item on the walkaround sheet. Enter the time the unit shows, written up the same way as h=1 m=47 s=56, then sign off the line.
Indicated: h=9 m=58 s=11
